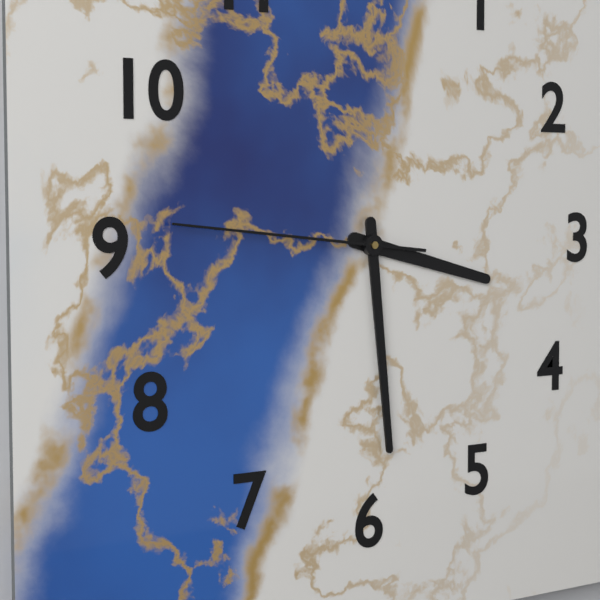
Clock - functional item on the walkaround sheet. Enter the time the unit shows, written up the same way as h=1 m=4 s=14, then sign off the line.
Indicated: h=3 m=29 s=46
